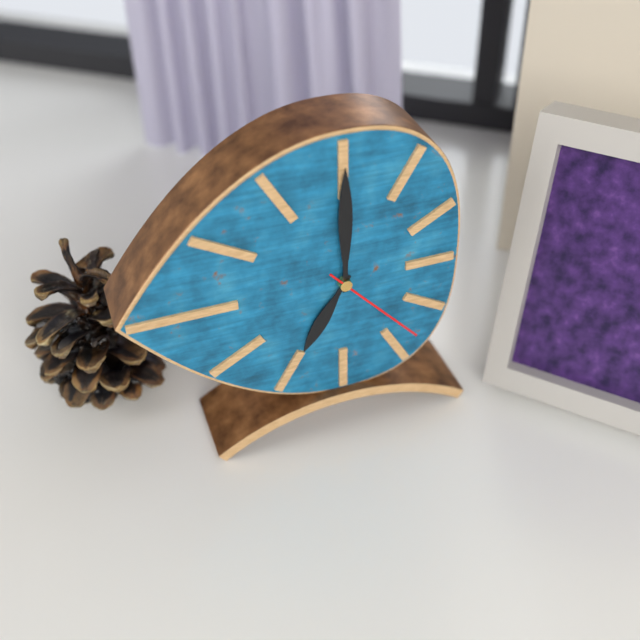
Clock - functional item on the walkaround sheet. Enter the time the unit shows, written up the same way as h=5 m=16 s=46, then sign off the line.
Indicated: h=7 m=0 s=23
